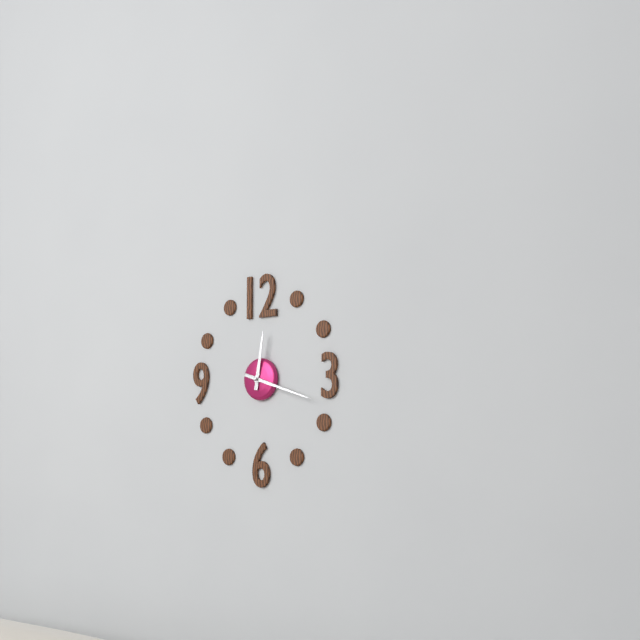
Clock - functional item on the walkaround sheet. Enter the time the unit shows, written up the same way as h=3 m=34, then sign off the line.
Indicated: h=12 m=18
